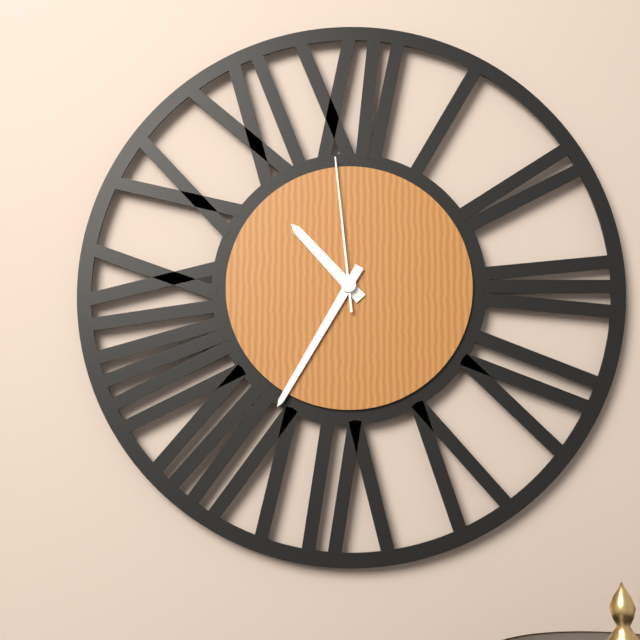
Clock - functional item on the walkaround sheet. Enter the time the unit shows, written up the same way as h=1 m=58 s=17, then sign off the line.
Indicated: h=10 m=35 s=59
